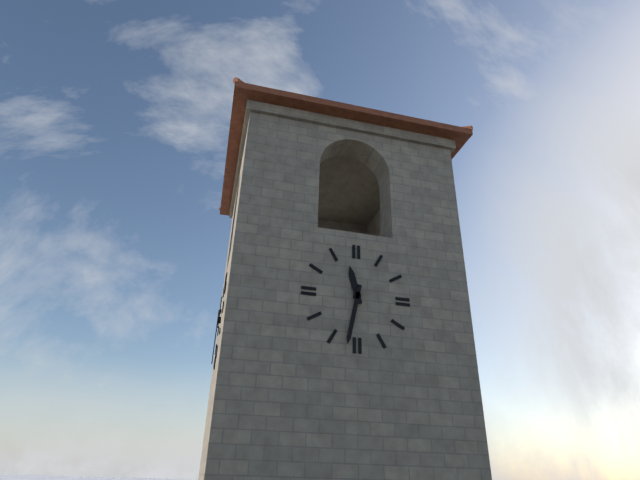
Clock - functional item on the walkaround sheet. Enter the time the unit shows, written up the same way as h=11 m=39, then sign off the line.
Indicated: h=11 m=32
